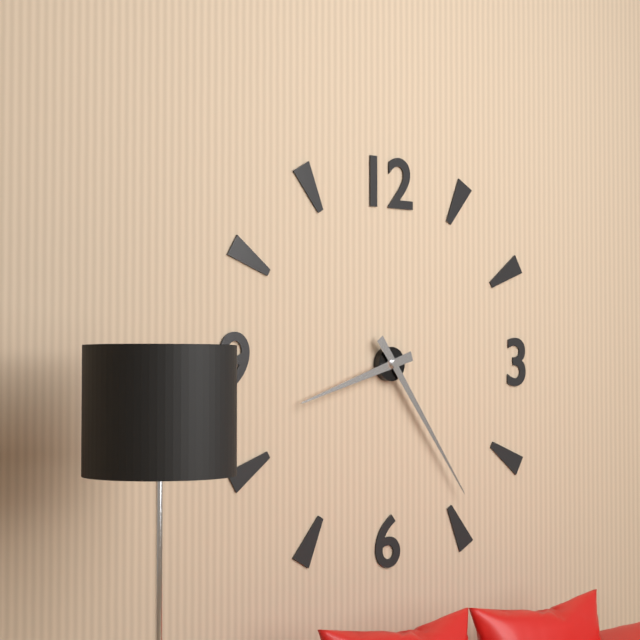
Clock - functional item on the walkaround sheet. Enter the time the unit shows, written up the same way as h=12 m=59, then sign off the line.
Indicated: h=8 m=24
